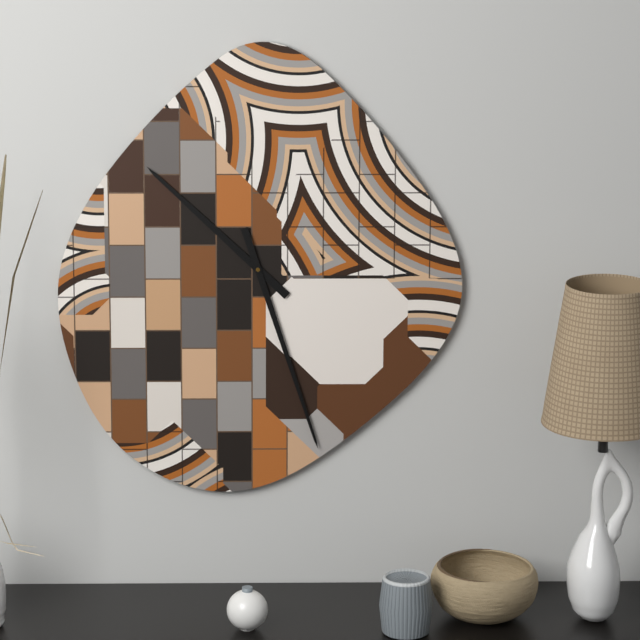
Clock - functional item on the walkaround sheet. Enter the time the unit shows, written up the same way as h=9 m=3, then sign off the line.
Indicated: h=10 m=27
